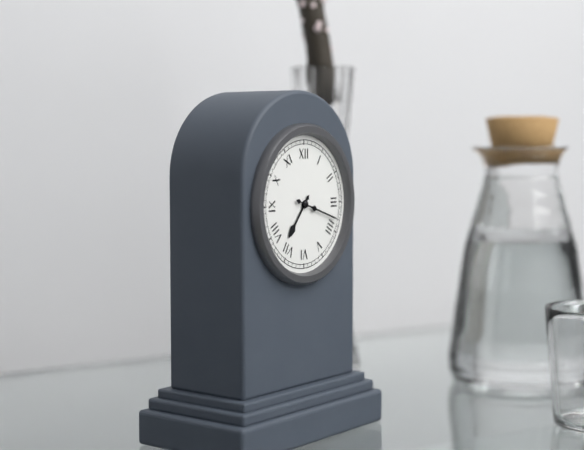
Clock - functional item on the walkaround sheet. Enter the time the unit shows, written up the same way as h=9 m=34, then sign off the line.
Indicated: h=7 m=18
